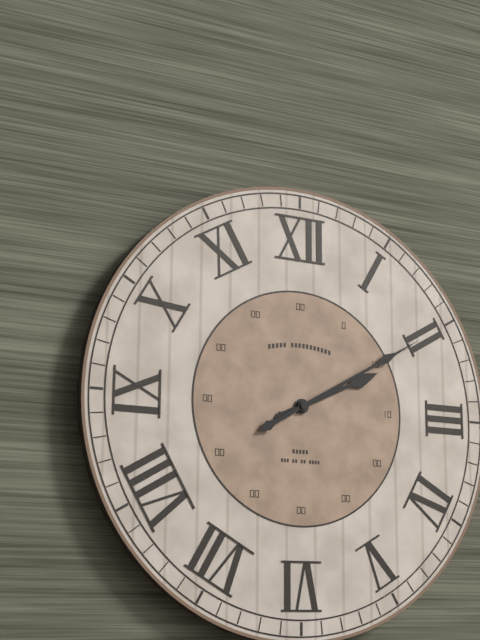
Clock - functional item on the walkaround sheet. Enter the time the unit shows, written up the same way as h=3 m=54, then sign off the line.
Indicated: h=2 m=10
